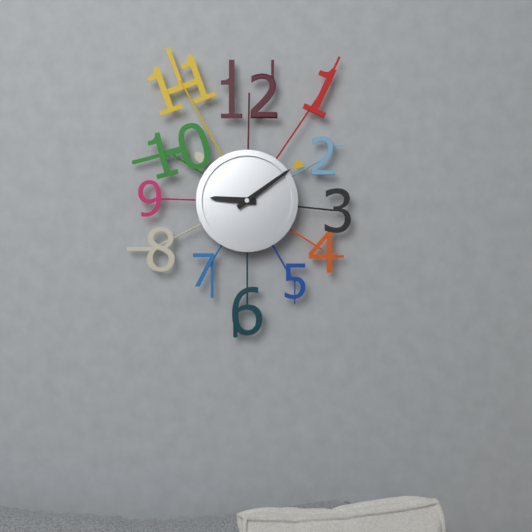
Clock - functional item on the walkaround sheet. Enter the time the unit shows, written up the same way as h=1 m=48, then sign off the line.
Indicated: h=9 m=9
